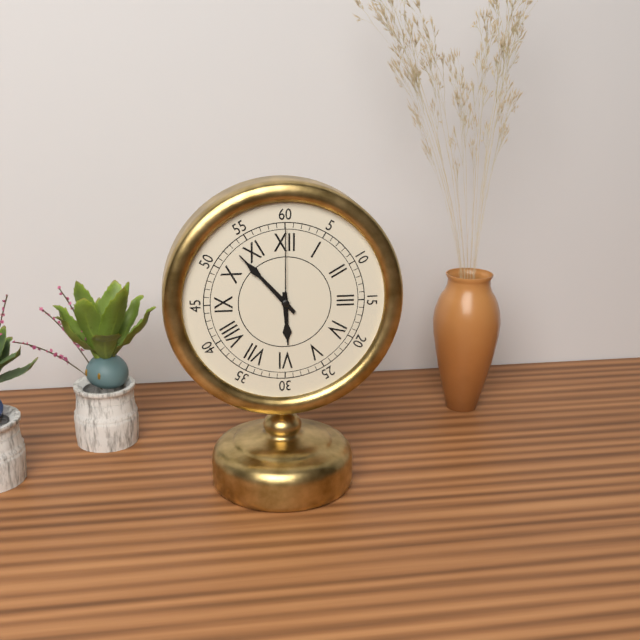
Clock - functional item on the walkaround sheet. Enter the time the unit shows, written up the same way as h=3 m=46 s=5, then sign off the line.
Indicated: h=5 m=53 s=0
